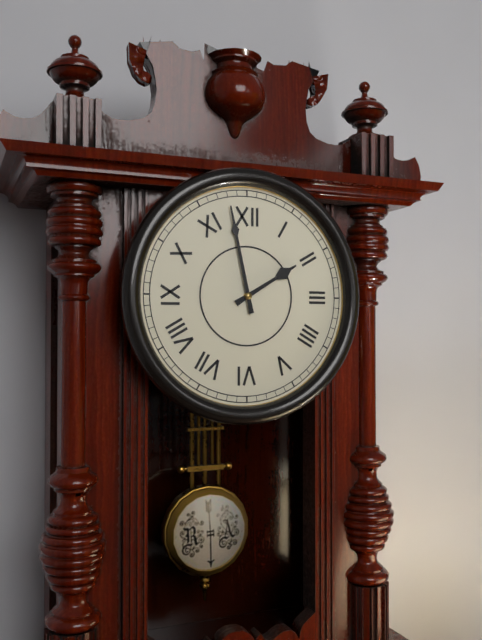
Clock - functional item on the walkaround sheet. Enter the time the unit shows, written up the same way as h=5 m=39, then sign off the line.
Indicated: h=1 m=58
